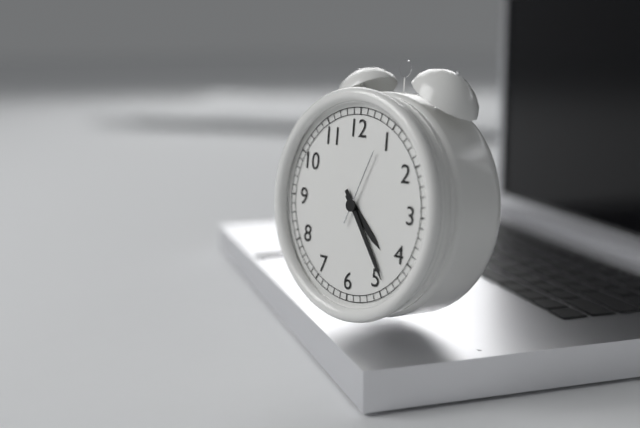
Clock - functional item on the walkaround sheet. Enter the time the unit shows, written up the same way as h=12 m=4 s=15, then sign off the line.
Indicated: h=4 m=24 s=4
